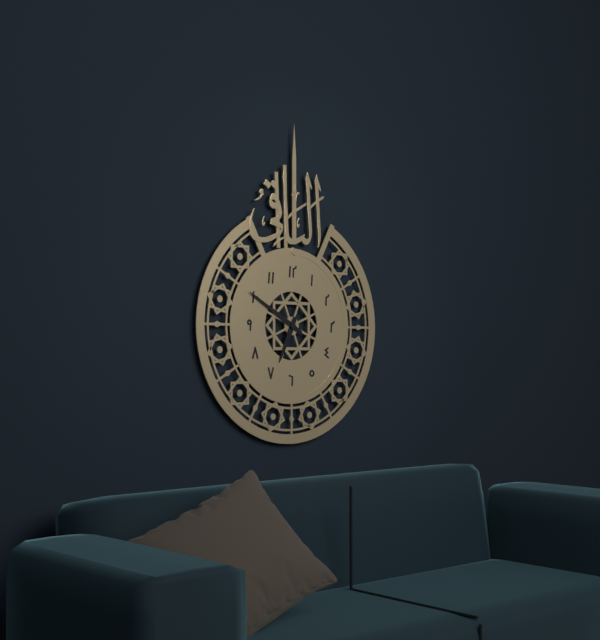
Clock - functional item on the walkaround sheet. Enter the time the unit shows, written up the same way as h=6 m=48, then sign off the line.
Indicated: h=6 m=50
